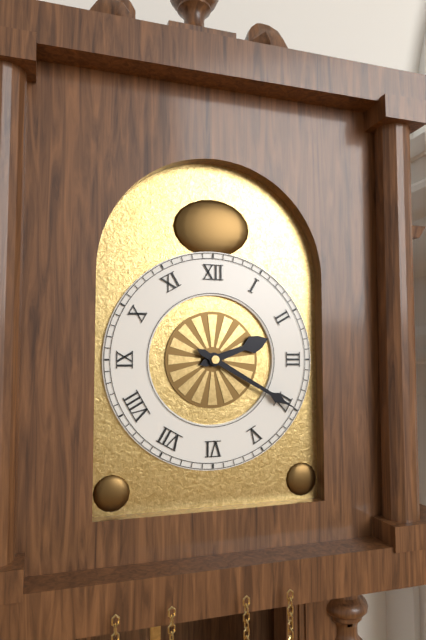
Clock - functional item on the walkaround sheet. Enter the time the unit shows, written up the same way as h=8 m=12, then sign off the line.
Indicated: h=2 m=20
